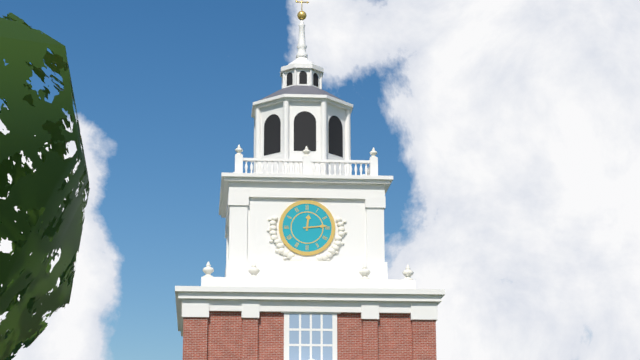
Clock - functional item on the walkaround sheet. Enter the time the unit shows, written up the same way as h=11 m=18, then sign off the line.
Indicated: h=12 m=14
